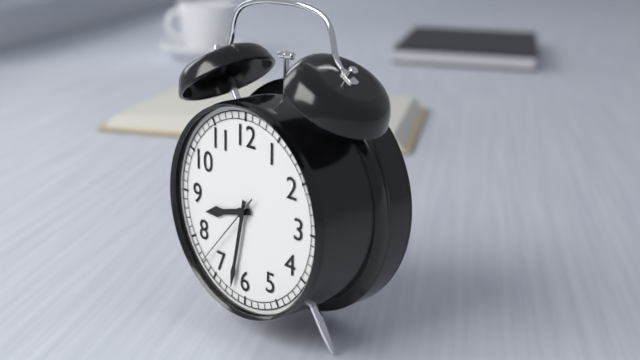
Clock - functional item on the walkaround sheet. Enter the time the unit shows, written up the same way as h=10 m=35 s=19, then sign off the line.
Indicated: h=8 m=32 s=37
